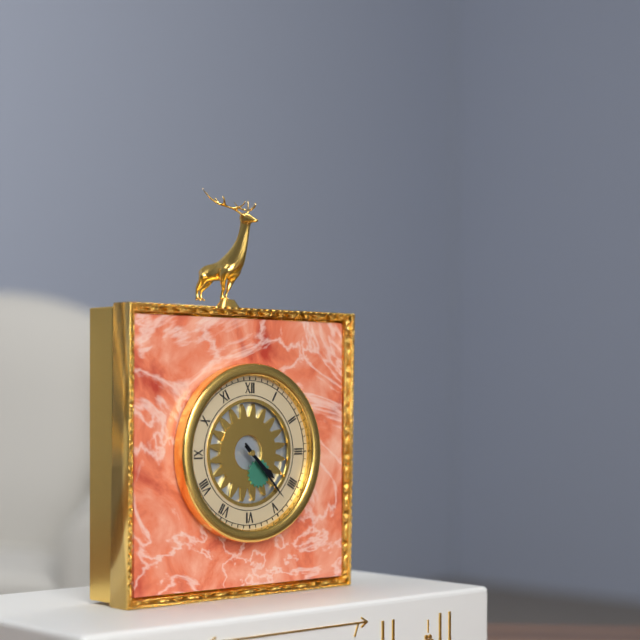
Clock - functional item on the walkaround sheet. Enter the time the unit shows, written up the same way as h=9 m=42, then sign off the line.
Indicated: h=4 m=23
